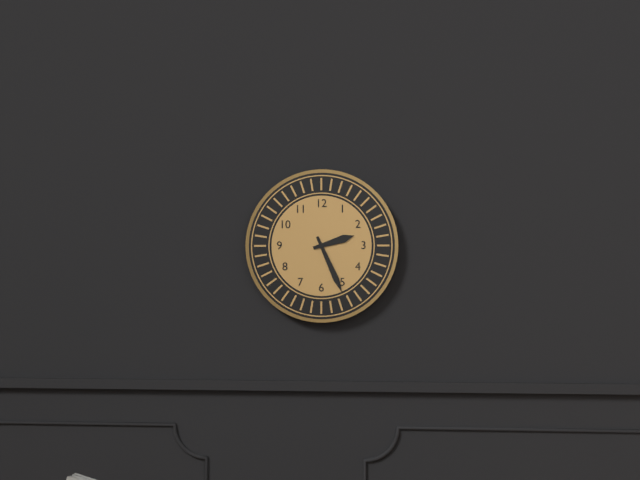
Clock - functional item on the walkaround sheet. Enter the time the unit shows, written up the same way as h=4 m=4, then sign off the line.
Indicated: h=2 m=26
